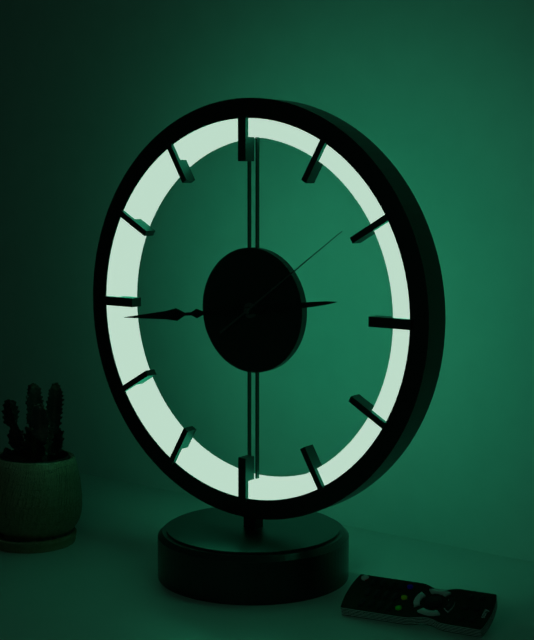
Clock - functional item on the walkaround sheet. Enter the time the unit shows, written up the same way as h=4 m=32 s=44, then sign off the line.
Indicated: h=2 m=44 s=9
